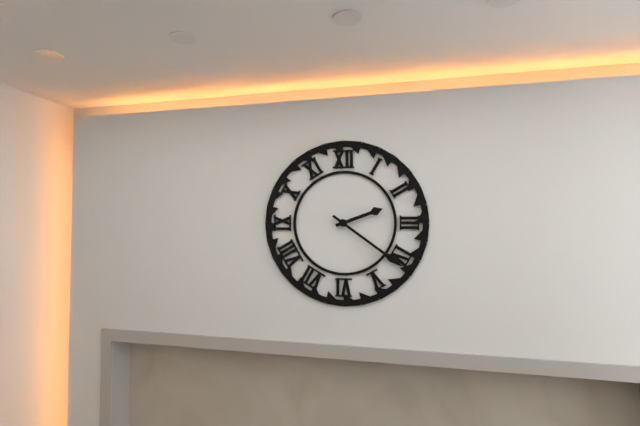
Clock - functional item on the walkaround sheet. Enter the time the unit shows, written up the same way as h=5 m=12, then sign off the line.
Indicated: h=2 m=21
